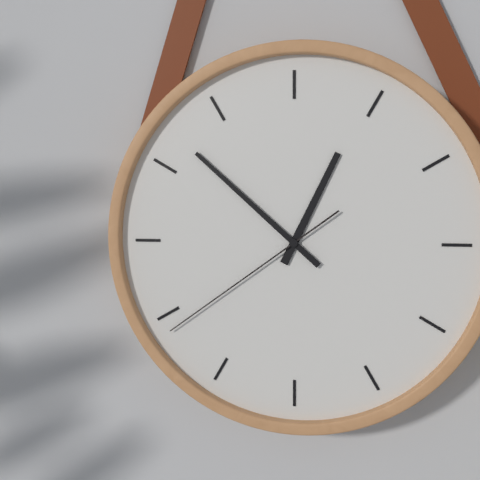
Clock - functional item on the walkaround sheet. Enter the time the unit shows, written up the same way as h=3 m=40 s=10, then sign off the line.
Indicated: h=12 m=52 s=39
